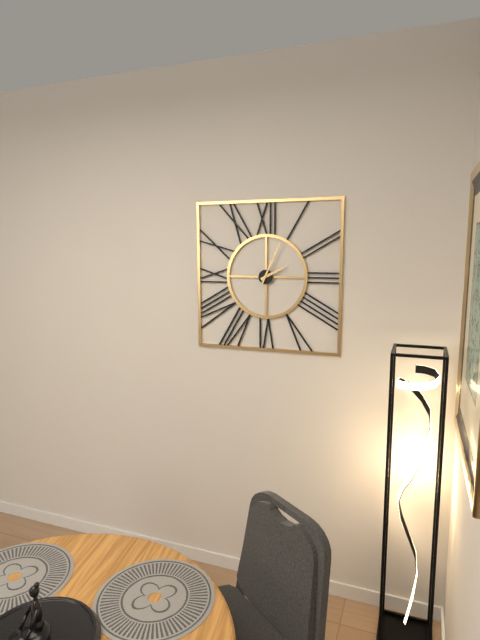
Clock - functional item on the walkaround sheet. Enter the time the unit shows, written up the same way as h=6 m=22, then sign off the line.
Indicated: h=2 m=4
